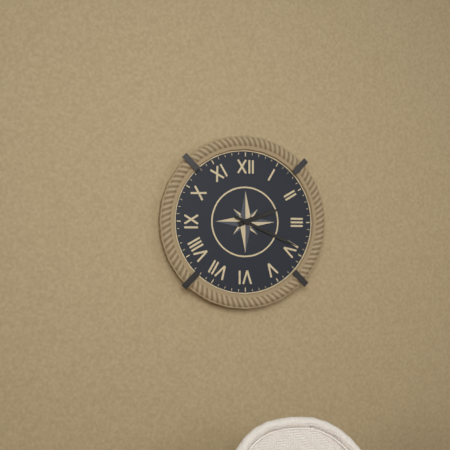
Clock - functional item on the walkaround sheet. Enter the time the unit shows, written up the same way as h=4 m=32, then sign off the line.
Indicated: h=2 m=19
